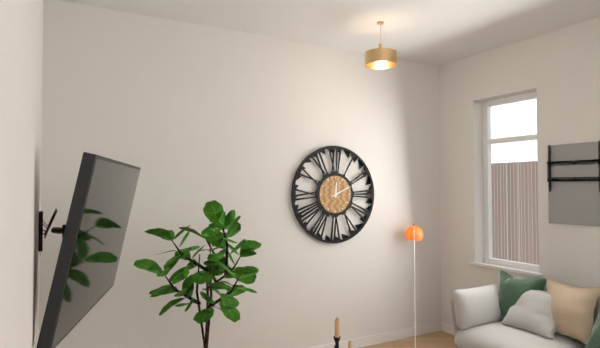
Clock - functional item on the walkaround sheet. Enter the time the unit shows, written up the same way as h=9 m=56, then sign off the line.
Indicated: h=12 m=11
